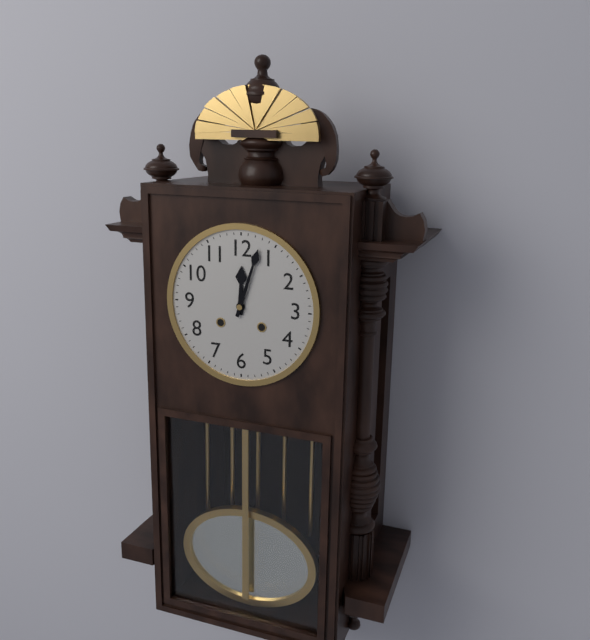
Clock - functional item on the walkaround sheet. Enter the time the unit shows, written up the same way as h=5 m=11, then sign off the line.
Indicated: h=12 m=3
